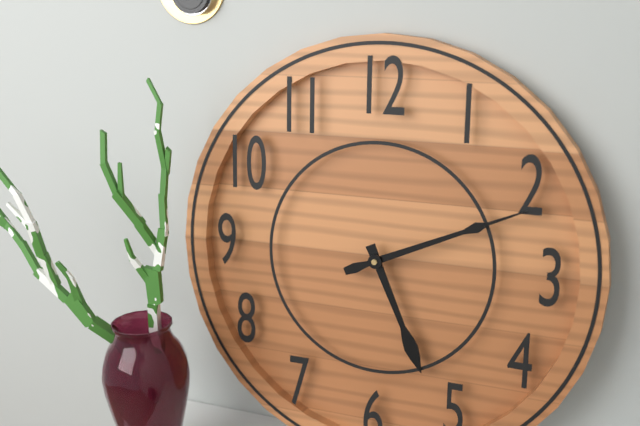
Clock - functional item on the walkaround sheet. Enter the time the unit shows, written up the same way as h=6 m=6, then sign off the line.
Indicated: h=5 m=11
